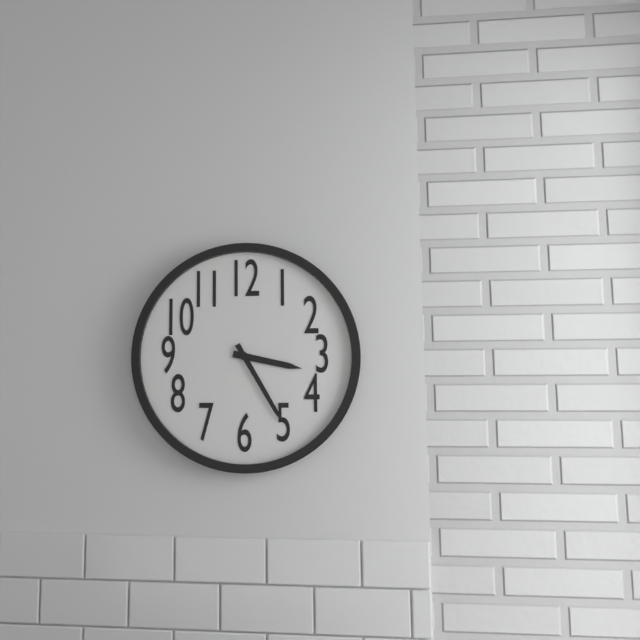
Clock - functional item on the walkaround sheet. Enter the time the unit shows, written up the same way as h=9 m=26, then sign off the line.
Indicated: h=3 m=25
